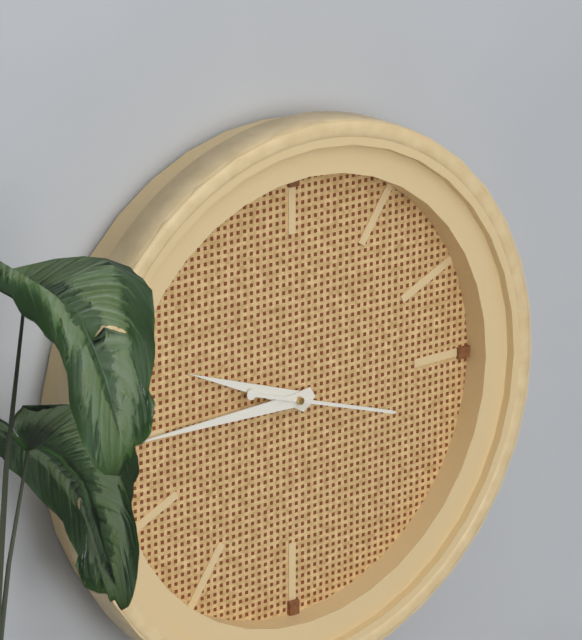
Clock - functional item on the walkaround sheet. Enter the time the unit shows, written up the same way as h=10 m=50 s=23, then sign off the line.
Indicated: h=9 m=45 s=18
